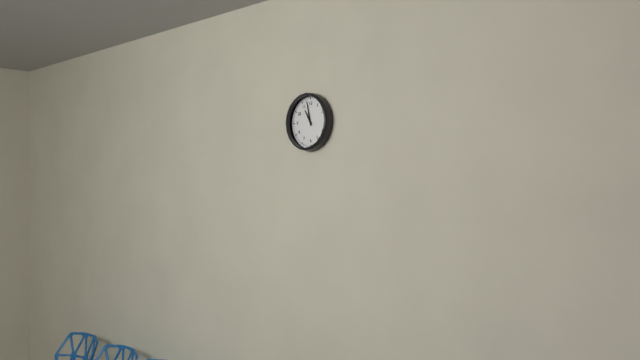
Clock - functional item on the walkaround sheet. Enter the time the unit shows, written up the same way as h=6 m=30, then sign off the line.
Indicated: h=10 m=58
